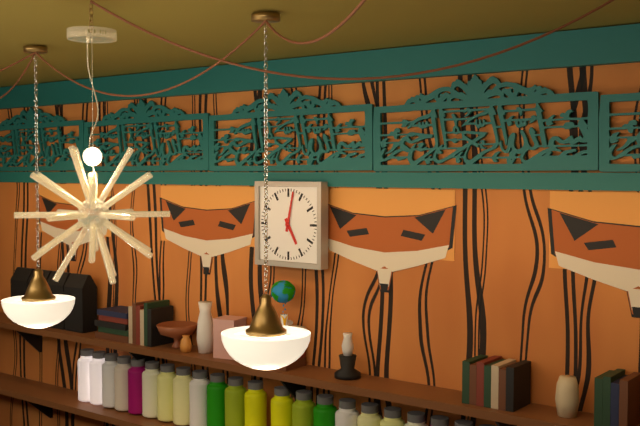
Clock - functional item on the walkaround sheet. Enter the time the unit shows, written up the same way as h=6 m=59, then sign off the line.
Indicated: h=5 m=2
